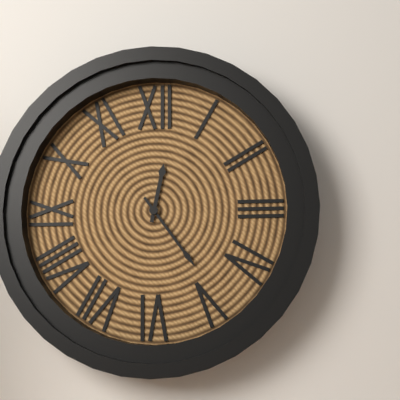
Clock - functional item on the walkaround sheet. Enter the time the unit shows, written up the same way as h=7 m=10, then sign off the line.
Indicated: h=12 m=24
